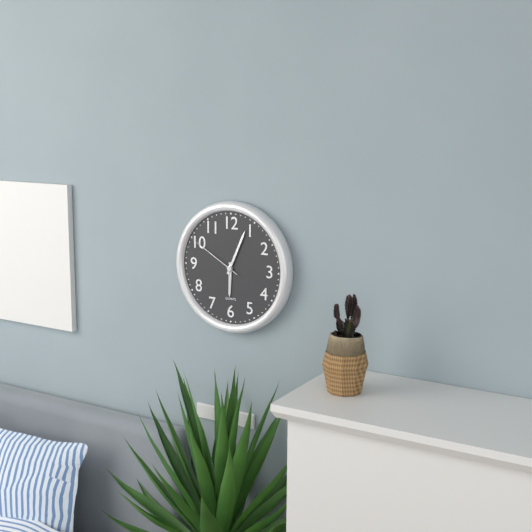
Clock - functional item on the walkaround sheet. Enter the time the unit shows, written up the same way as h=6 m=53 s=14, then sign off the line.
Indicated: h=6 m=4 s=50
